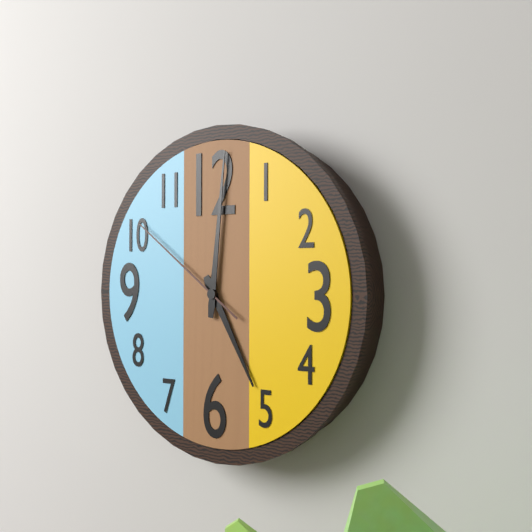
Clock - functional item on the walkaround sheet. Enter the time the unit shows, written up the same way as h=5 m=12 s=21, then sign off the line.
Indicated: h=5 m=1 s=51
